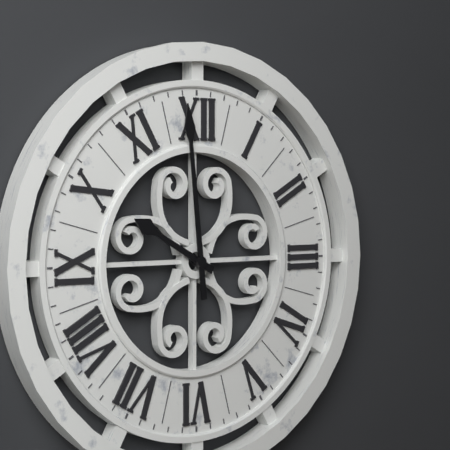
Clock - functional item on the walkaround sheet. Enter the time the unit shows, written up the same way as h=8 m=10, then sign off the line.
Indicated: h=9 m=59
